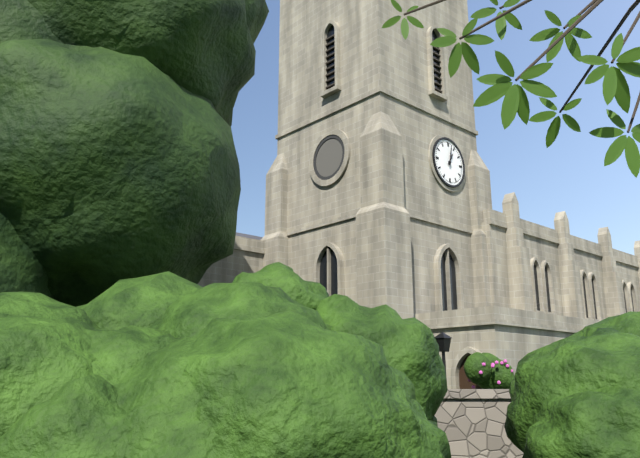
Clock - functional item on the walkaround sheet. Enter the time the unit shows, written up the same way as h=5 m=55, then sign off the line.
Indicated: h=1 m=2
